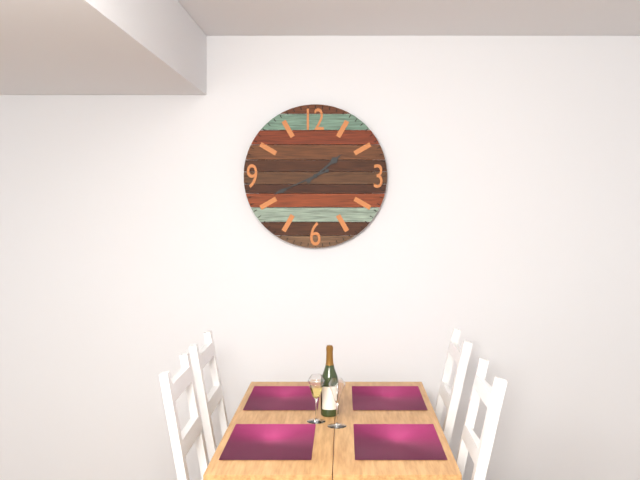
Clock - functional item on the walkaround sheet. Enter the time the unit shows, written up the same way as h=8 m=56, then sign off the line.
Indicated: h=1 m=41
